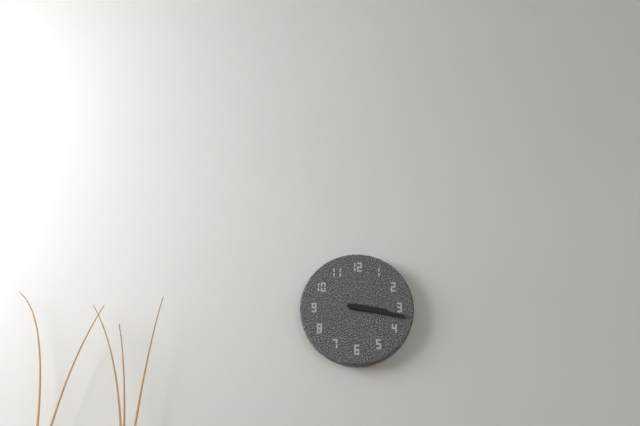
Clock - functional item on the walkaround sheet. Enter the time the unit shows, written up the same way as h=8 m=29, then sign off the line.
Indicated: h=3 m=17
